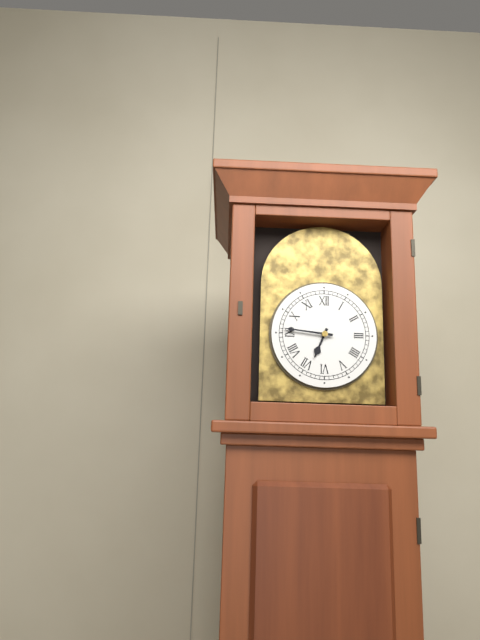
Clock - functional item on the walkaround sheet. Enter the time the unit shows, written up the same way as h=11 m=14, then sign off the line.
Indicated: h=6 m=46
